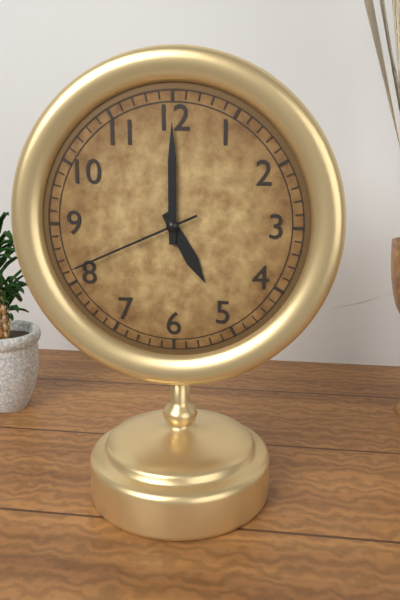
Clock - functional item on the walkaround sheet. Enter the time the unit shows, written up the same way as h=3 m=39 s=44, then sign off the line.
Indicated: h=5 m=0 s=41
